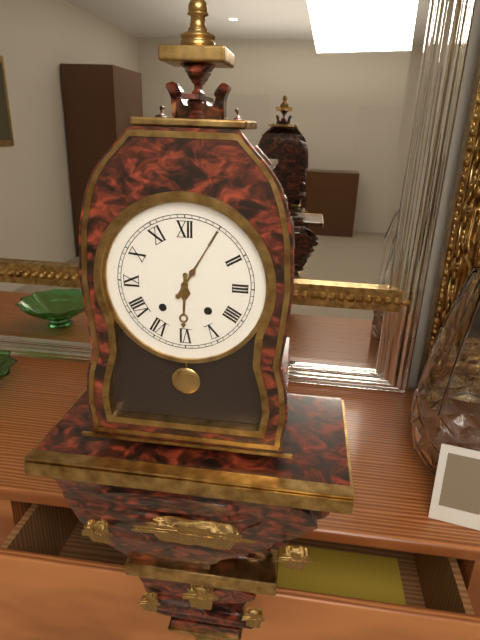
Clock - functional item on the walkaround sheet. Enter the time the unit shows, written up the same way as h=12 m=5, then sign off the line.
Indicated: h=6 m=5
